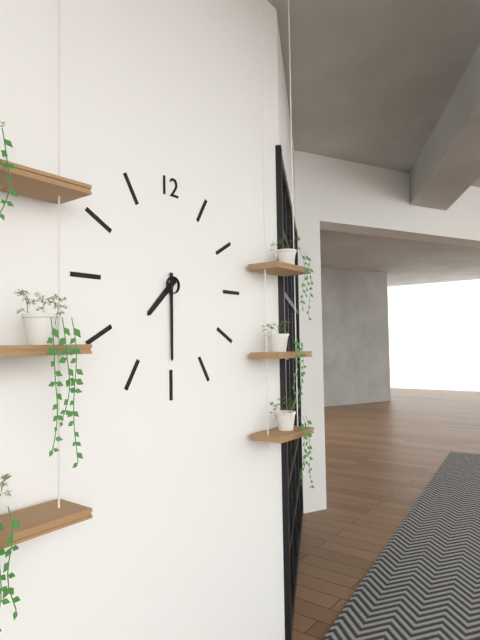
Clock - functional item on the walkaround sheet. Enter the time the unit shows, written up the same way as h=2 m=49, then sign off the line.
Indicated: h=7 m=30
